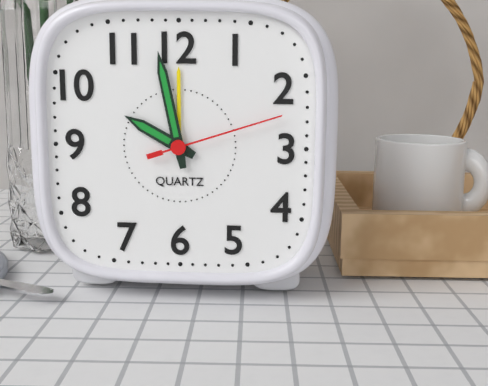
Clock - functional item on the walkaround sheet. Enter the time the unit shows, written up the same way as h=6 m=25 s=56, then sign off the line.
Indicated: h=9 m=58 s=12
